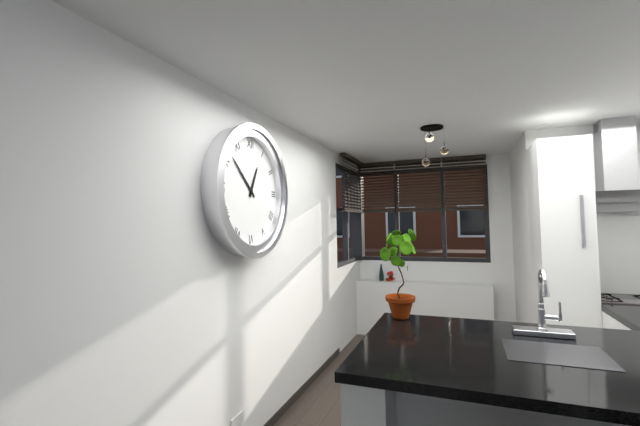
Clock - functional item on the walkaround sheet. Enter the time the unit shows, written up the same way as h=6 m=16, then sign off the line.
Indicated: h=12 m=52
